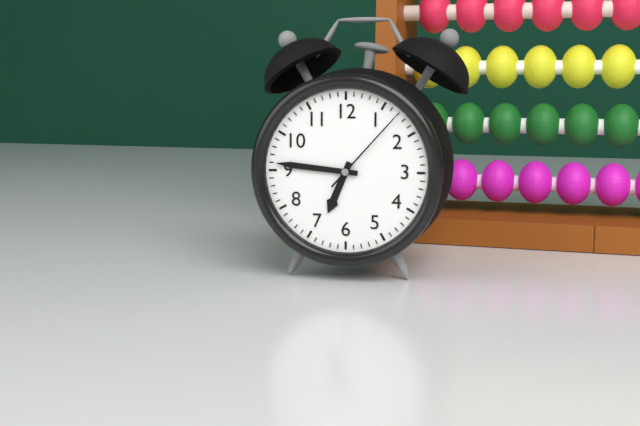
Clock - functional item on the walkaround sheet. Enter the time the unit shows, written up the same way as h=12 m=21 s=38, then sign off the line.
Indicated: h=6 m=46 s=7
